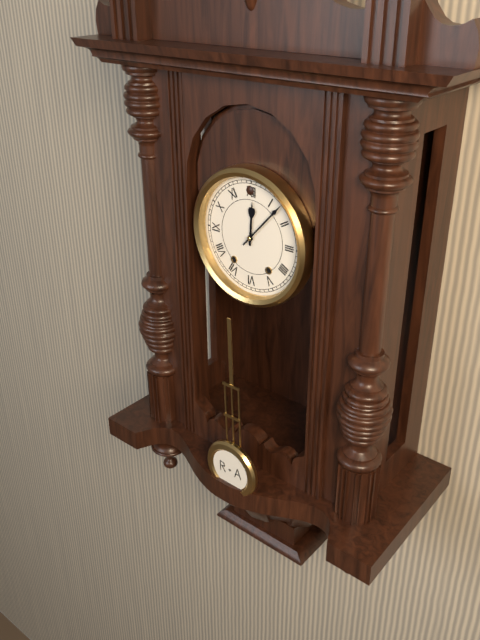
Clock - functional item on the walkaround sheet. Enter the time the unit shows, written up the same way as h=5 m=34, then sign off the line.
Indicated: h=12 m=7
